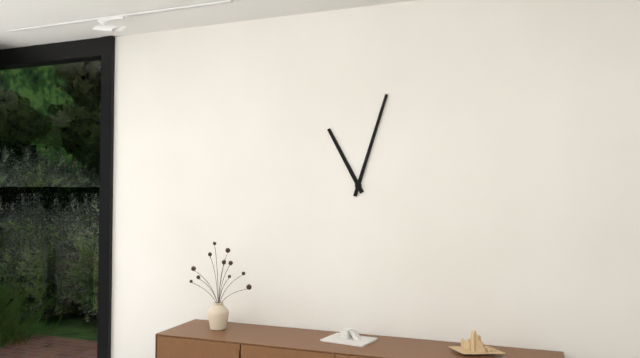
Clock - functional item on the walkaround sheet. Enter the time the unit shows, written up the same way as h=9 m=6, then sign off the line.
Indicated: h=11 m=3
